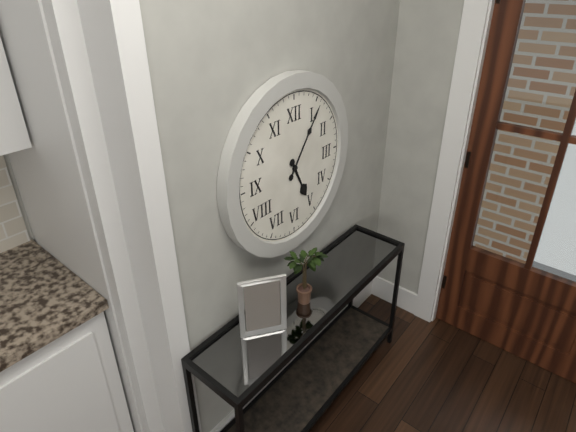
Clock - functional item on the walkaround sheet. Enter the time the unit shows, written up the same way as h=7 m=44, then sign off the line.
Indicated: h=5 m=6
